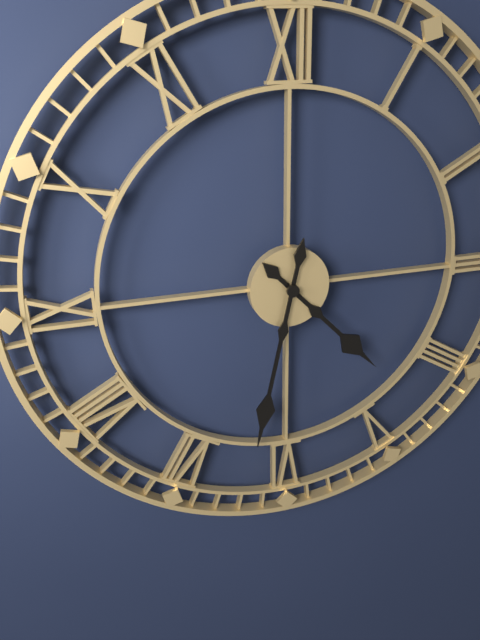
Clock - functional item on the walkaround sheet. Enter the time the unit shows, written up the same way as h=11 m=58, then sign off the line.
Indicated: h=4 m=32
